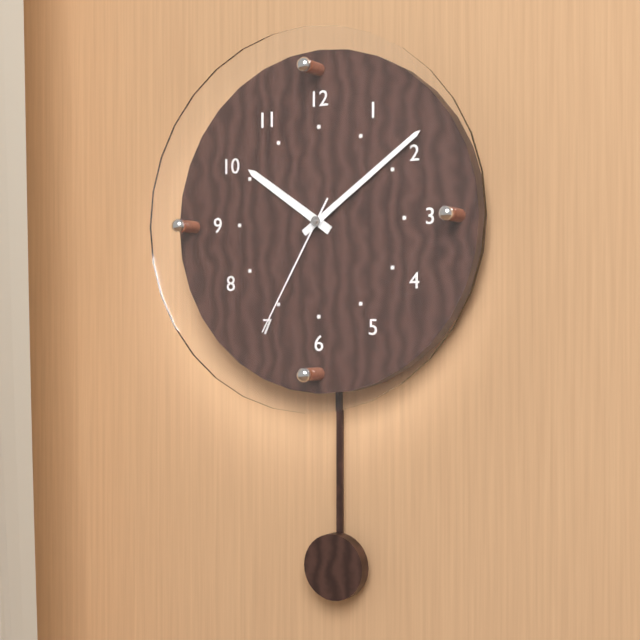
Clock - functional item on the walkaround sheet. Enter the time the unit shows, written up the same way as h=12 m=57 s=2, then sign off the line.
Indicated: h=10 m=9 s=35
